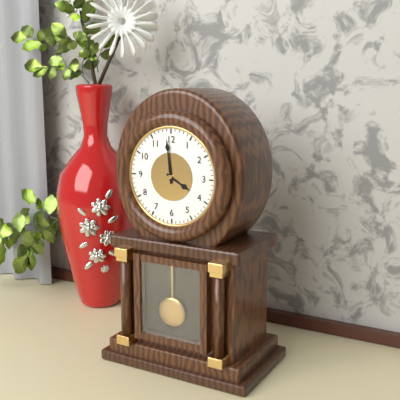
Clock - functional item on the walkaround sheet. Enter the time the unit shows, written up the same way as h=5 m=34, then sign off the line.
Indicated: h=3 m=59
